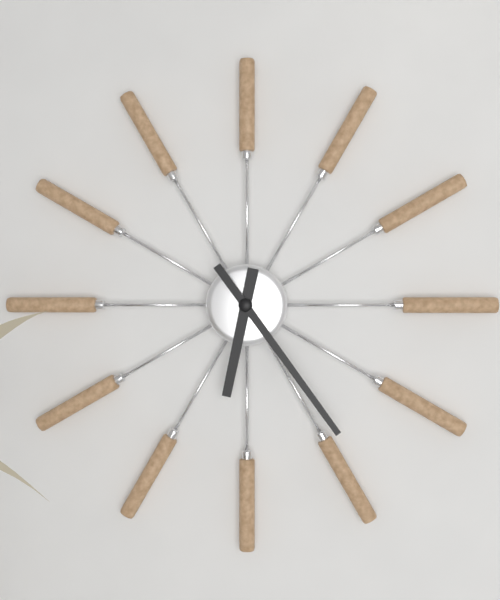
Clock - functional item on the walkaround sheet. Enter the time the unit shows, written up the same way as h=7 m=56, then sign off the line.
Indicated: h=6 m=24
